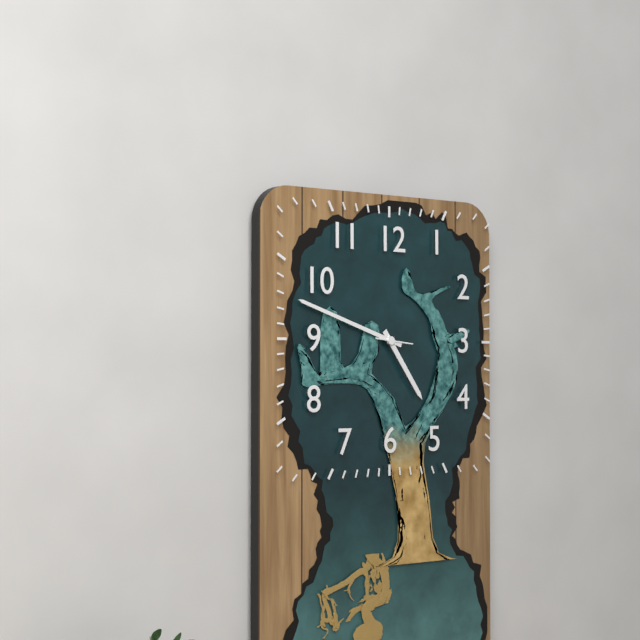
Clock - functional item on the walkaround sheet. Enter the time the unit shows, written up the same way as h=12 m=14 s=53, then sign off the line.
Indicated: h=4 m=48 s=16
